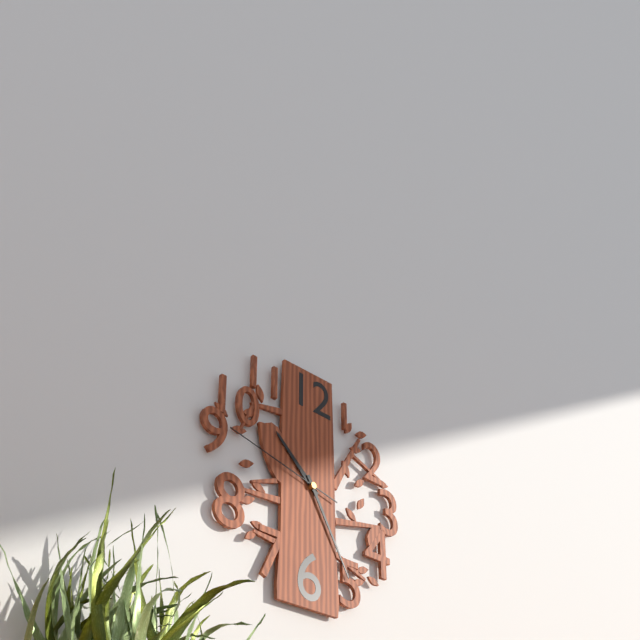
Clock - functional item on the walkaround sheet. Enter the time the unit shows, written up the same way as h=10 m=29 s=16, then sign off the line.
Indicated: h=10 m=25 s=47
